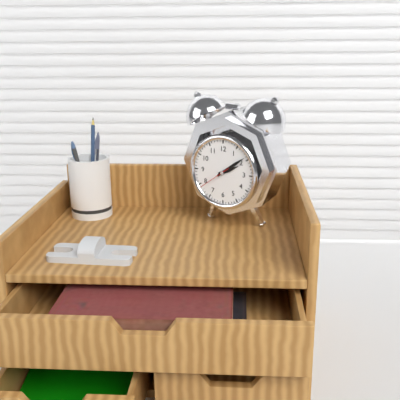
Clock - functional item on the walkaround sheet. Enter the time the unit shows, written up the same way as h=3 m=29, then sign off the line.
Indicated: h=2 m=9
